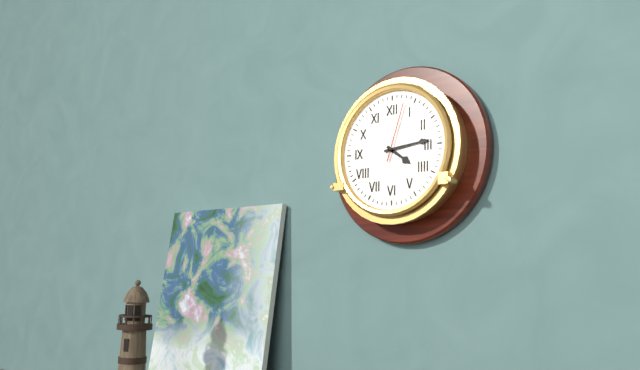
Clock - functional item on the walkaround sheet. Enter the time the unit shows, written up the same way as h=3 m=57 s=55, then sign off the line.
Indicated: h=4 m=14 s=3
